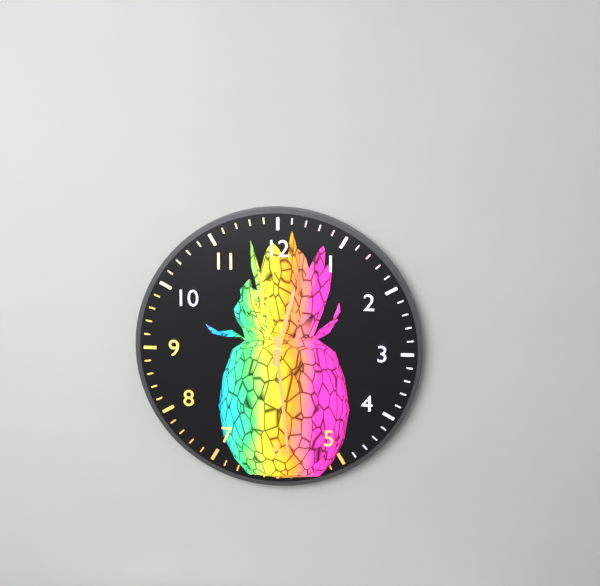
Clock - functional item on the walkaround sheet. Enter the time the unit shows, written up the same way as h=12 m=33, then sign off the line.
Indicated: h=12 m=29
